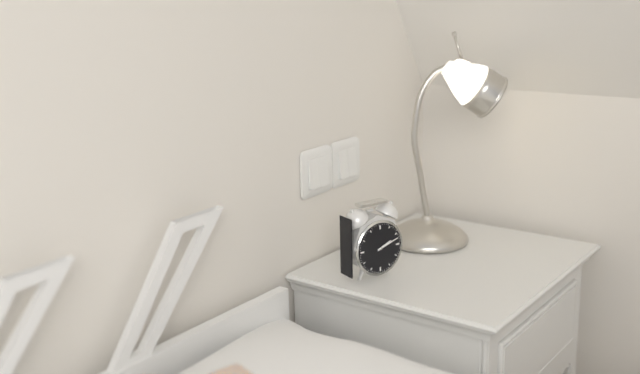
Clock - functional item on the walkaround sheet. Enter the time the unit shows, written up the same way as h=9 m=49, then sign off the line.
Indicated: h=2 m=12
